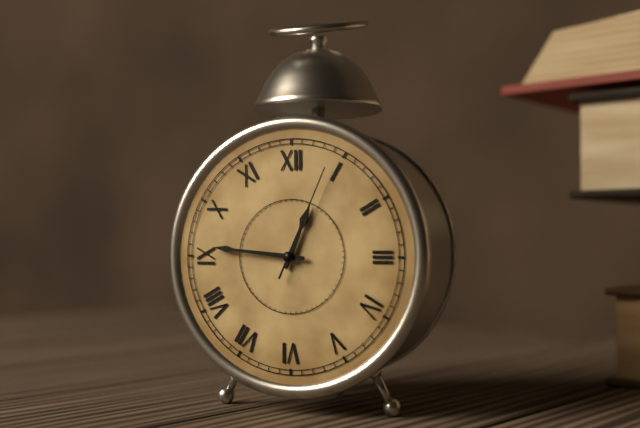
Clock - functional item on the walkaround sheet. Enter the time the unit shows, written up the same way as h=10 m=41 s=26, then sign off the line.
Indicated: h=12 m=46 s=4
